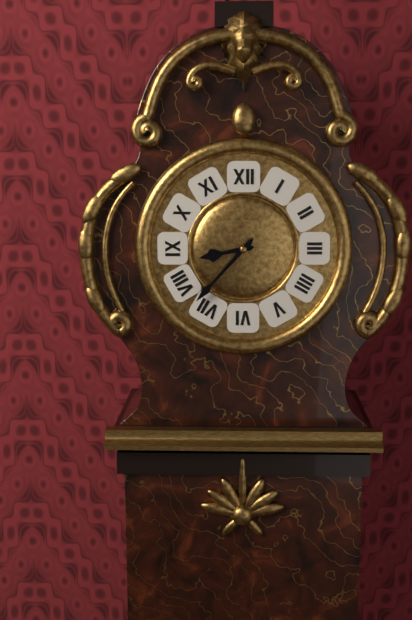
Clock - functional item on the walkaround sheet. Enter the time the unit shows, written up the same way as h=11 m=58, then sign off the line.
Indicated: h=8 m=37
